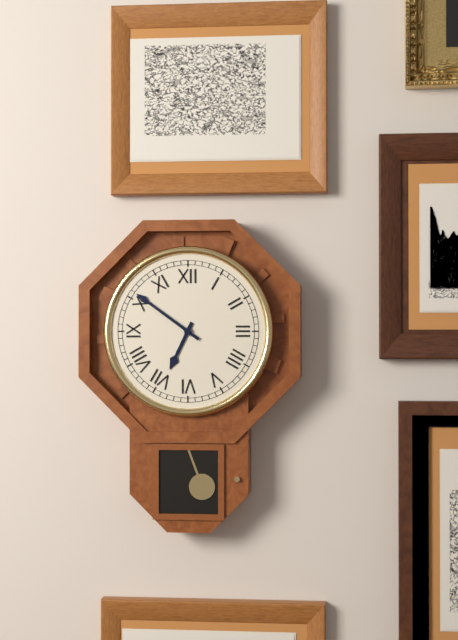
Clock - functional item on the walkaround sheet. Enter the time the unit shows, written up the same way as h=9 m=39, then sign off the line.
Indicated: h=6 m=51
